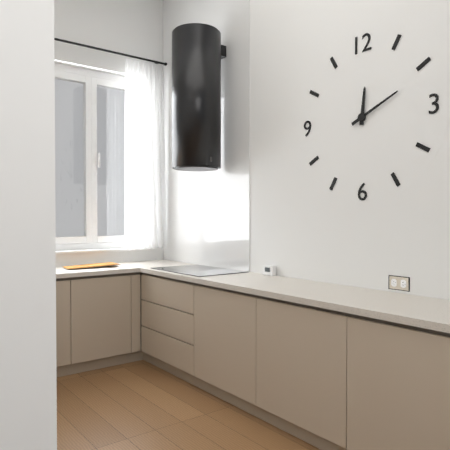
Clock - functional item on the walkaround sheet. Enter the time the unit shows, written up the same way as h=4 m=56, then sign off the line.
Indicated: h=12 m=11
